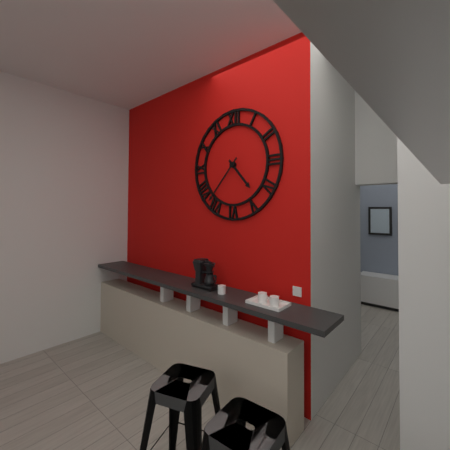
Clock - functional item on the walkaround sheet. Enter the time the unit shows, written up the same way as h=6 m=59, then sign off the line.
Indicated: h=4 m=37
